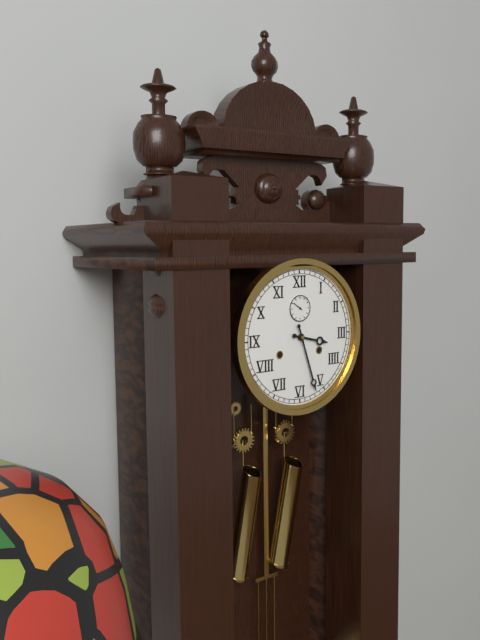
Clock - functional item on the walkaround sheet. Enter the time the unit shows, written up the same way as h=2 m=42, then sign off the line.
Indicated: h=3 m=27
